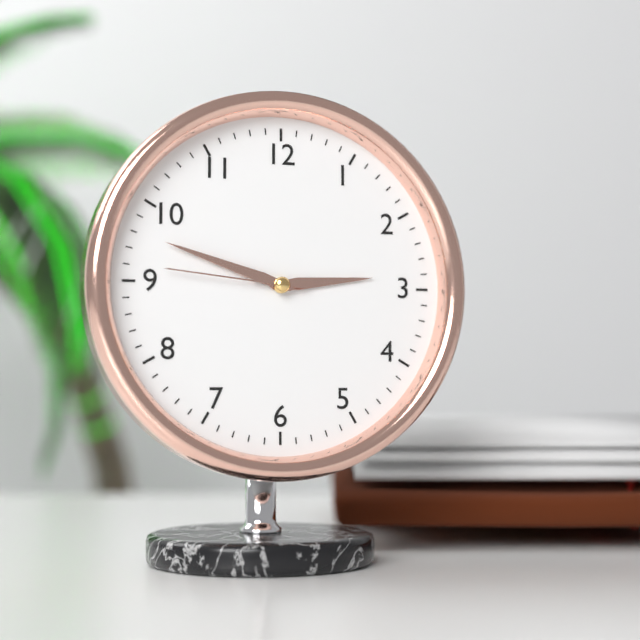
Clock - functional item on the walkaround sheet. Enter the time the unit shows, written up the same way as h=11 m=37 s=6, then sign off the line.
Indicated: h=2 m=48 s=46
